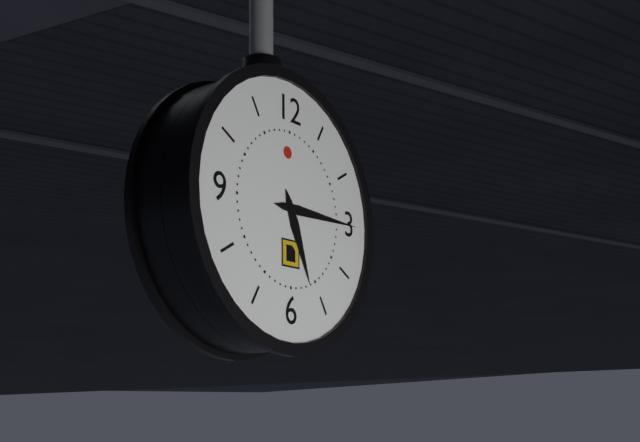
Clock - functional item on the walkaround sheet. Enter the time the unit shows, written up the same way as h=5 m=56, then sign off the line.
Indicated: h=5 m=15
